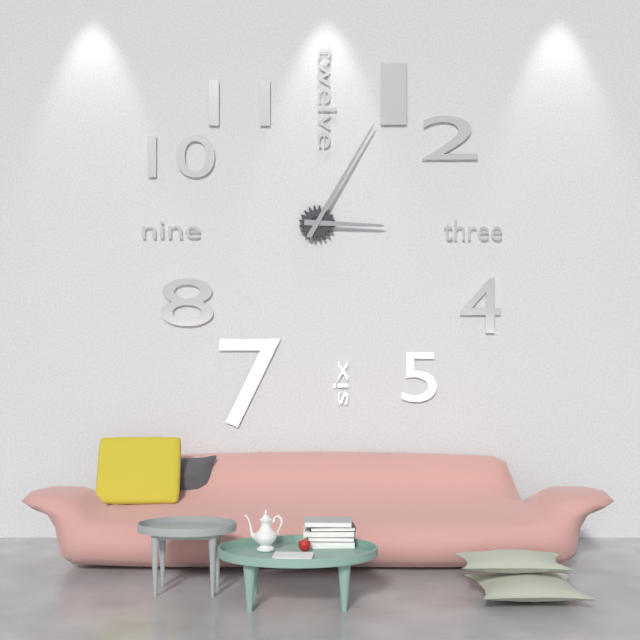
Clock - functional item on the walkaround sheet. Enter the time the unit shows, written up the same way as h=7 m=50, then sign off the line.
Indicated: h=3 m=5
